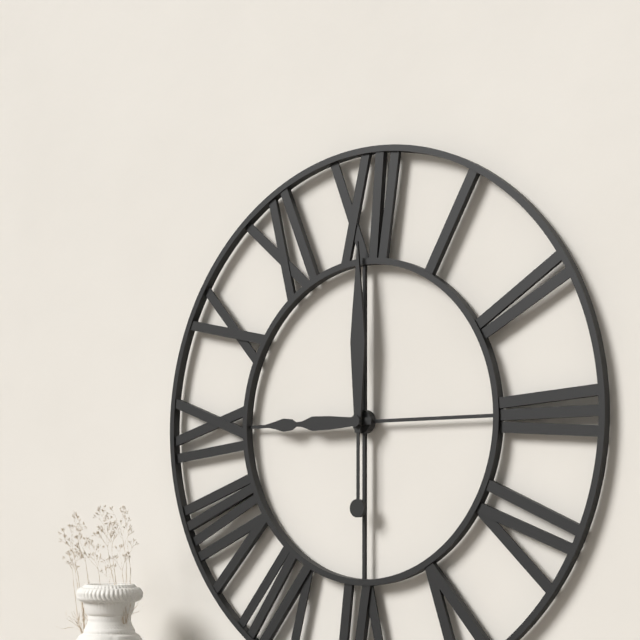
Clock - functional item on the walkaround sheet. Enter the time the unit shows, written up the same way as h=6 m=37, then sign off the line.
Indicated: h=9 m=0
